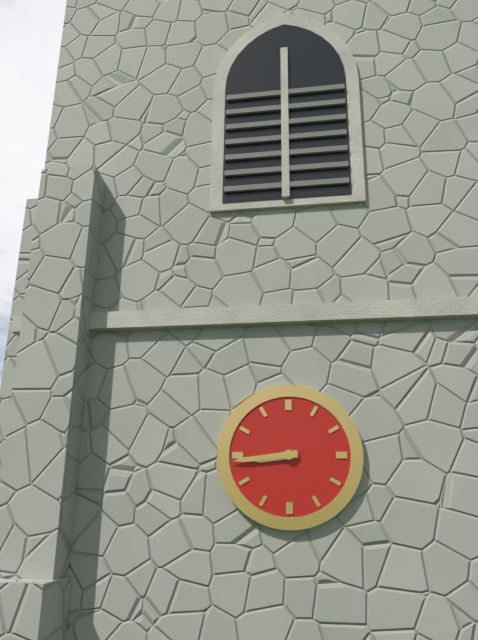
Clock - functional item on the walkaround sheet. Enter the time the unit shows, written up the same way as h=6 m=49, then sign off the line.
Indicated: h=8 m=44
